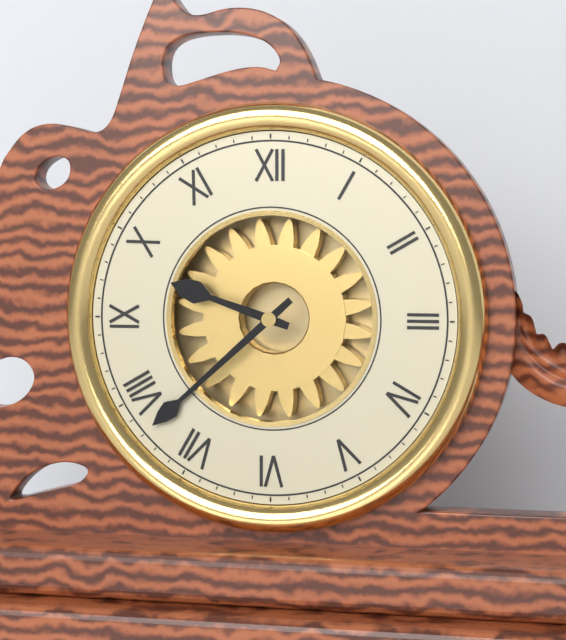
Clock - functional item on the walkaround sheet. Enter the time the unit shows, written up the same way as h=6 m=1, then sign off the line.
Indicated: h=9 m=38
